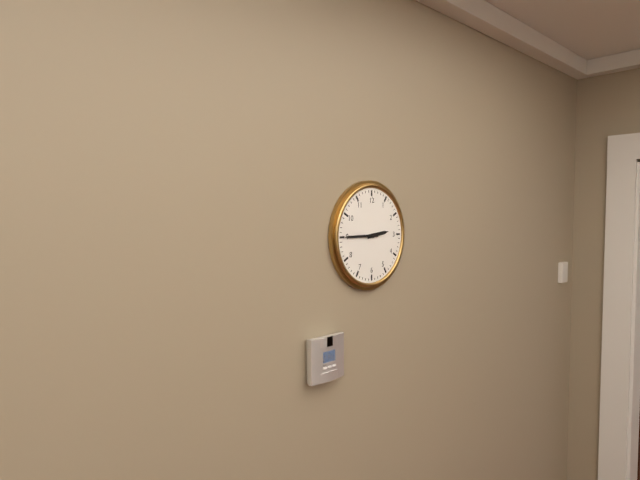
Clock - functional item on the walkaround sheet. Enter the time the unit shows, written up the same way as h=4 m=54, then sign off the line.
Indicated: h=2 m=45
